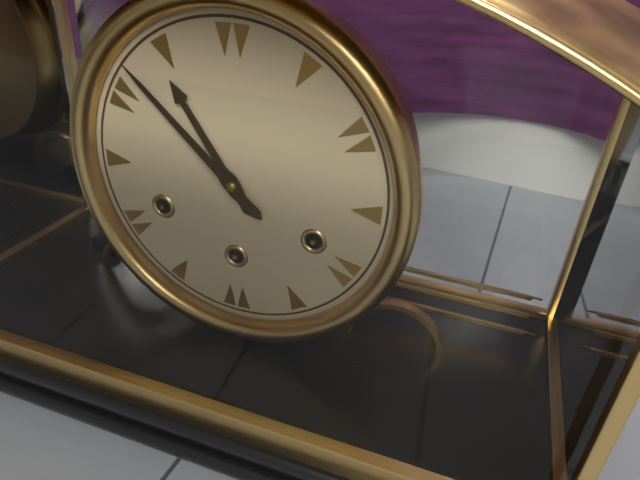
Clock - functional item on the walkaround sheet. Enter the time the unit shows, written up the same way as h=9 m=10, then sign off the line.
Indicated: h=10 m=52
